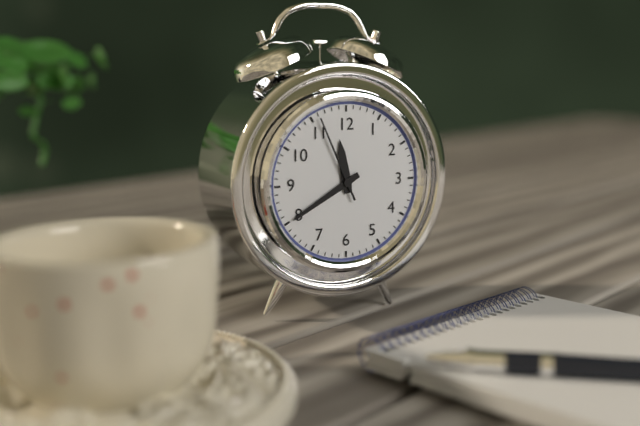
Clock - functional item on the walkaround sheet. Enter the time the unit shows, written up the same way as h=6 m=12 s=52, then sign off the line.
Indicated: h=11 m=40 s=56
